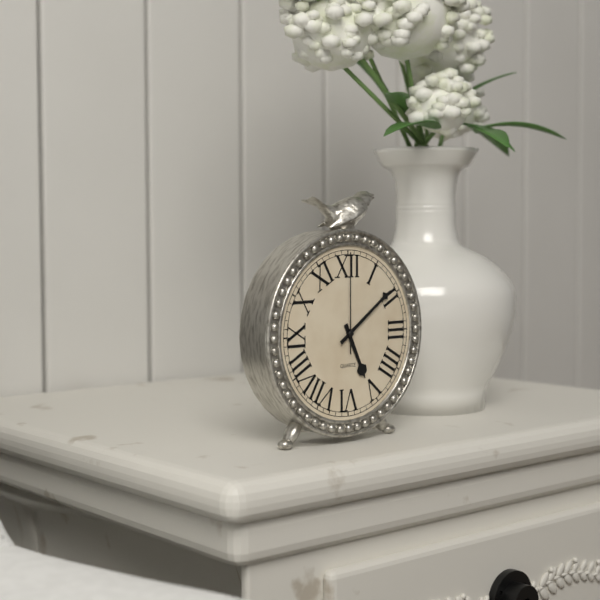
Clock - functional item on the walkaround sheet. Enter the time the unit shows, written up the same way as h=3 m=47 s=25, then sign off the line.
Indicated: h=5 m=9 s=0
